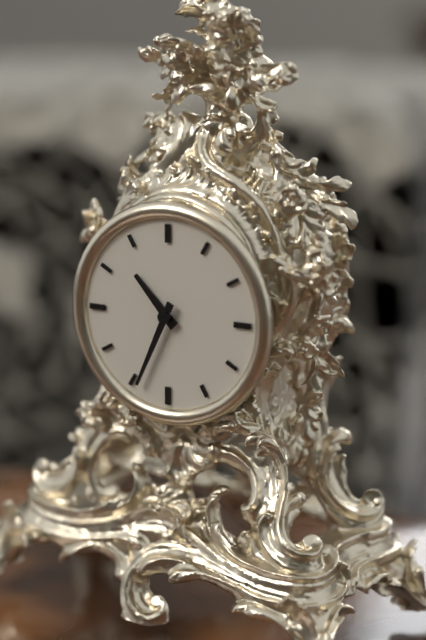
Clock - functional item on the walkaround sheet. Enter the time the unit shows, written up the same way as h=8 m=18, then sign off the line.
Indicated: h=10 m=34
